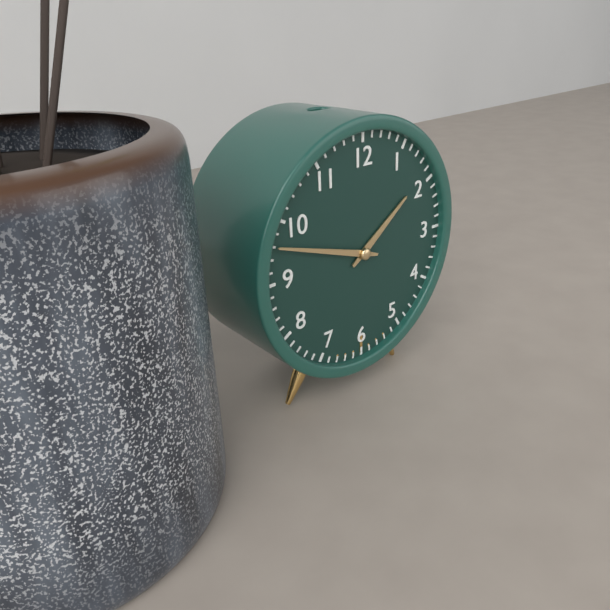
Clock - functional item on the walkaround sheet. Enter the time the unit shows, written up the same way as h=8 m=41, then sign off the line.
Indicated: h=1 m=48
